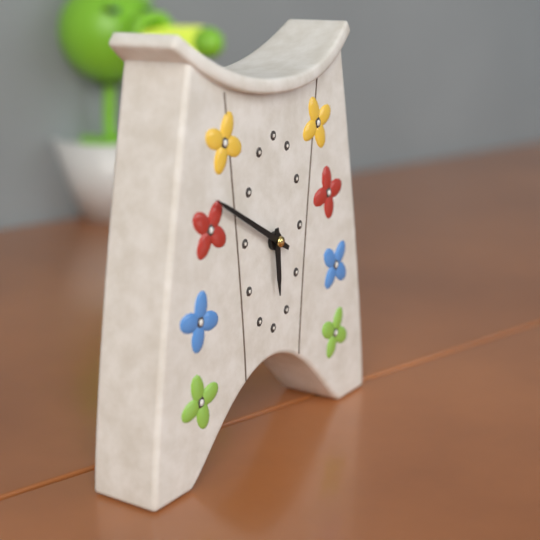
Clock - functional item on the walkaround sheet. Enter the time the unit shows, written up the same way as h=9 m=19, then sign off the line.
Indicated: h=5 m=50
